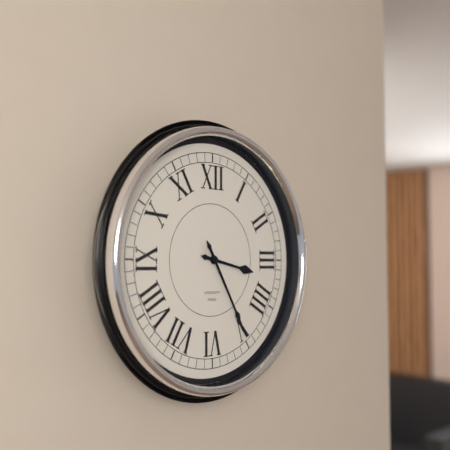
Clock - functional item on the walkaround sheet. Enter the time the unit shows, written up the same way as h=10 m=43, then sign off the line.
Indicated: h=3 m=25
